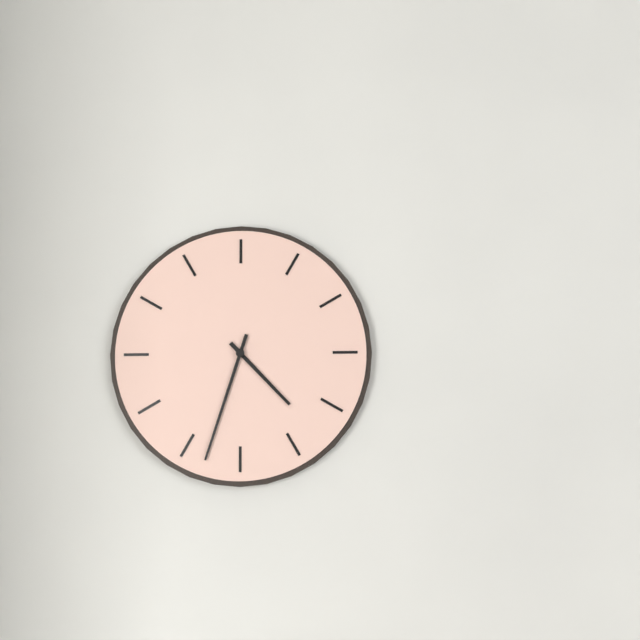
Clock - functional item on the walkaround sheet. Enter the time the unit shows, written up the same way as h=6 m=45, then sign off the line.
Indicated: h=4 m=33
